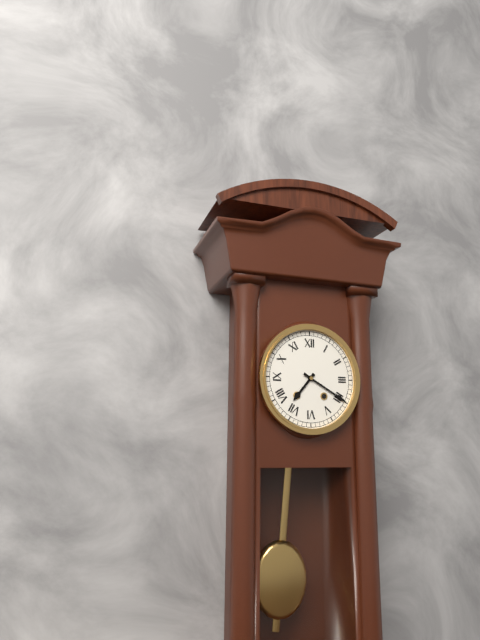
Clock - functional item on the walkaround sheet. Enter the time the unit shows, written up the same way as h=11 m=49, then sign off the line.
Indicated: h=7 m=20
